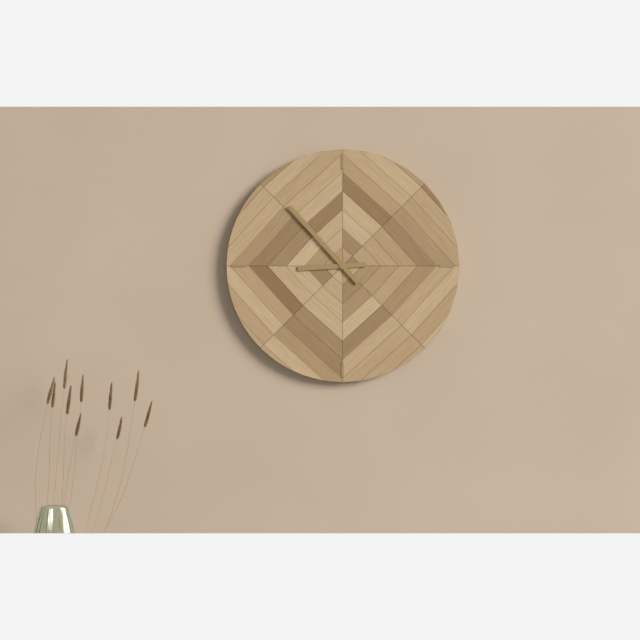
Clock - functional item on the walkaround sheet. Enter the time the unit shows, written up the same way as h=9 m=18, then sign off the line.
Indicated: h=8 m=53
